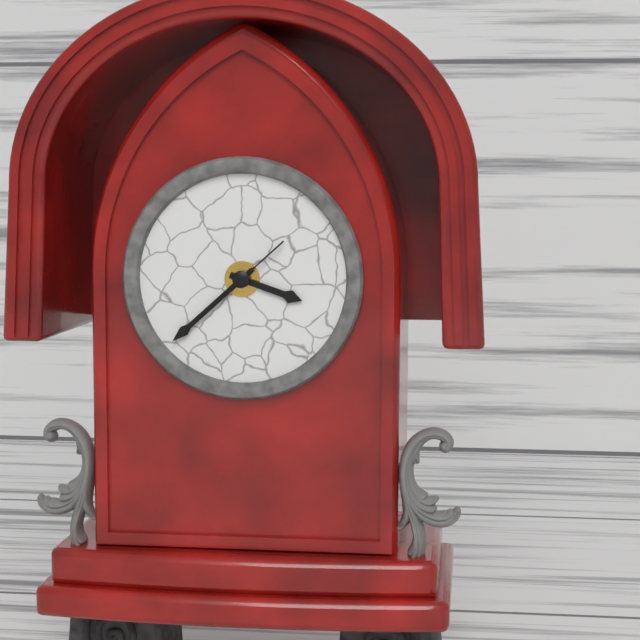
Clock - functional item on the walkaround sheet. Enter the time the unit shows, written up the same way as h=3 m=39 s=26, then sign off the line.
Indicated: h=3 m=38 s=38
